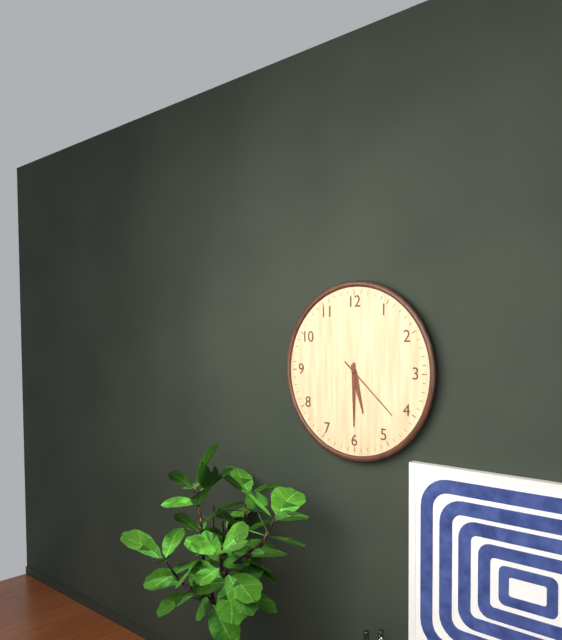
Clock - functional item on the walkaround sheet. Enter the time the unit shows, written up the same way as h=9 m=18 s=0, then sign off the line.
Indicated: h=5 m=30 s=22
